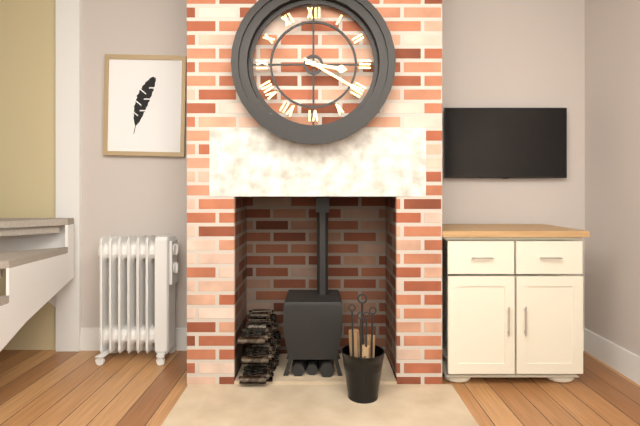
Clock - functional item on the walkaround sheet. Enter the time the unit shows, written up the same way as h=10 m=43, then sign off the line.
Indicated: h=3 m=20
